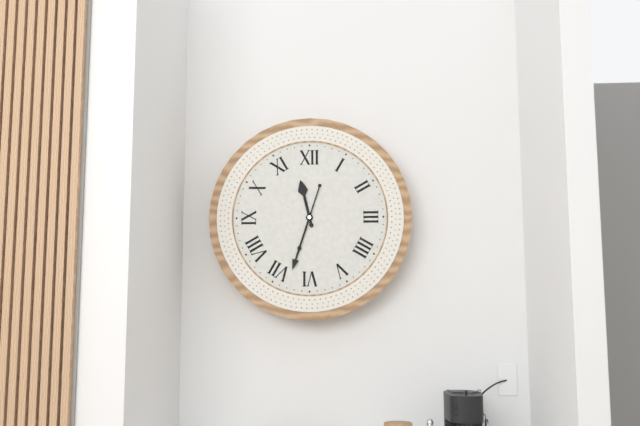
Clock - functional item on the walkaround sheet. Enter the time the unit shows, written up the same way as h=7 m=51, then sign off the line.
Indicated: h=11 m=33
